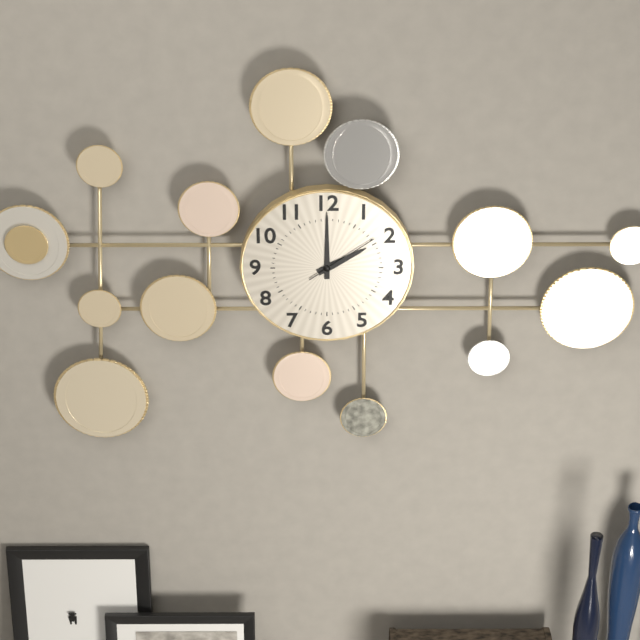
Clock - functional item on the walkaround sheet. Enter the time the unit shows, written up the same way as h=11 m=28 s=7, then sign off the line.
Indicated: h=2 m=0 s=9
